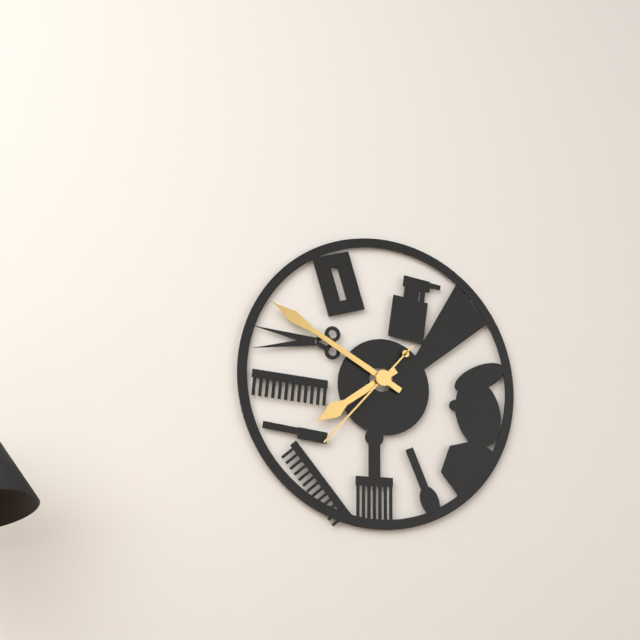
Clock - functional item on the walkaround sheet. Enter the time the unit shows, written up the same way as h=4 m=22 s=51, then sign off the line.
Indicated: h=7 m=50 s=37
